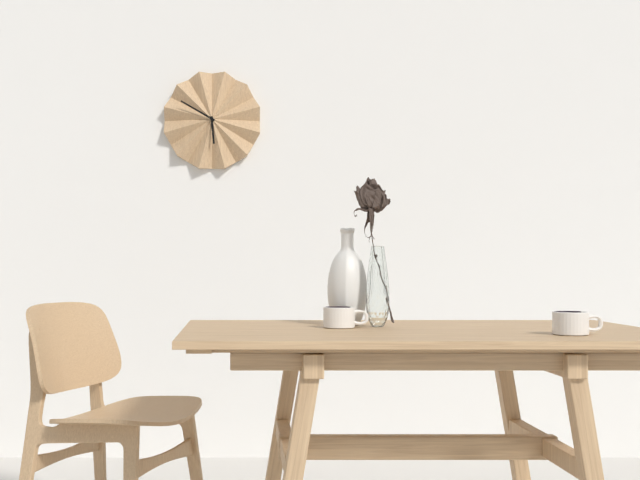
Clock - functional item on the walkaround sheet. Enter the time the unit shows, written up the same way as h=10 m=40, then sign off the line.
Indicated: h=5 m=50
